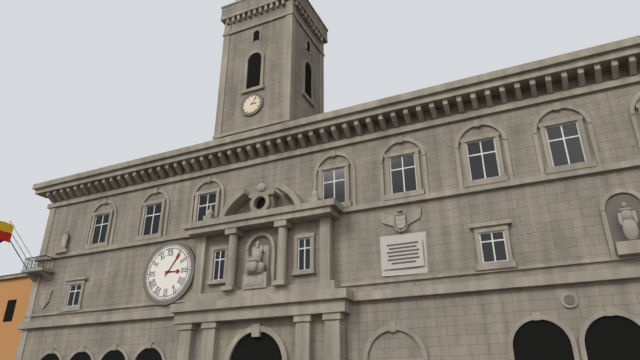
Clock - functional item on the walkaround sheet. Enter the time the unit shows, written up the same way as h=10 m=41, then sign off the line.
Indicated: h=3 m=6
